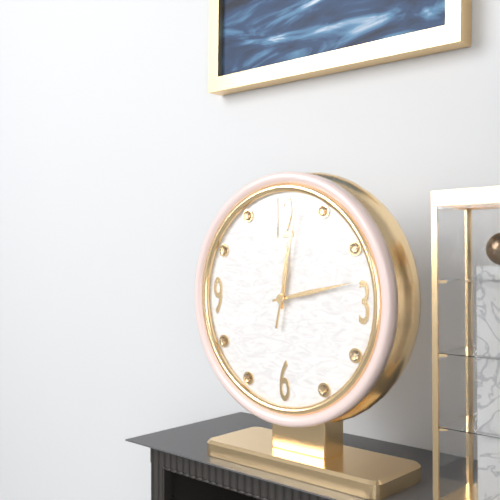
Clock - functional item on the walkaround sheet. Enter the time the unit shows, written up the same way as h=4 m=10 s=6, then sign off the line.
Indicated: h=12 m=13 s=2
